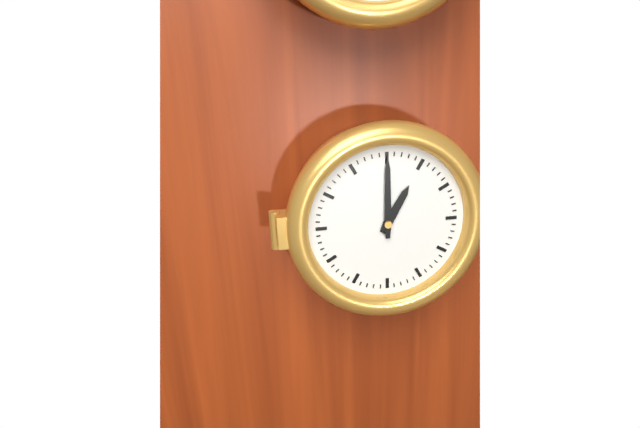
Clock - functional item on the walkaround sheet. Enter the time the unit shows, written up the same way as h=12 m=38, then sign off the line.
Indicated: h=1 m=0
